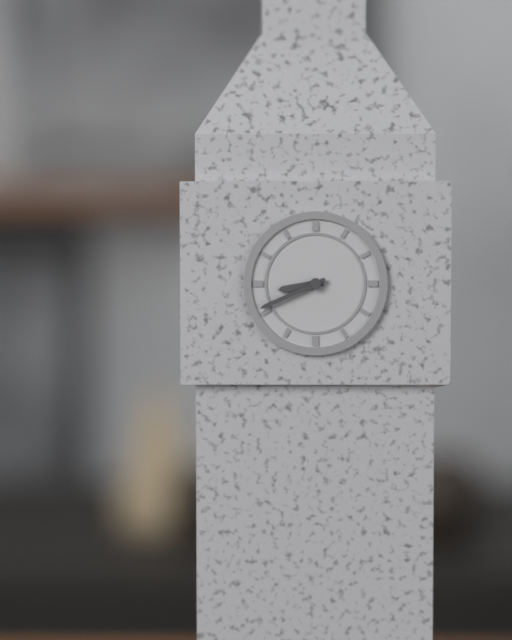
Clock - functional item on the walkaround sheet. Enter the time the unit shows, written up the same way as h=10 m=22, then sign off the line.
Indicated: h=8 m=41
